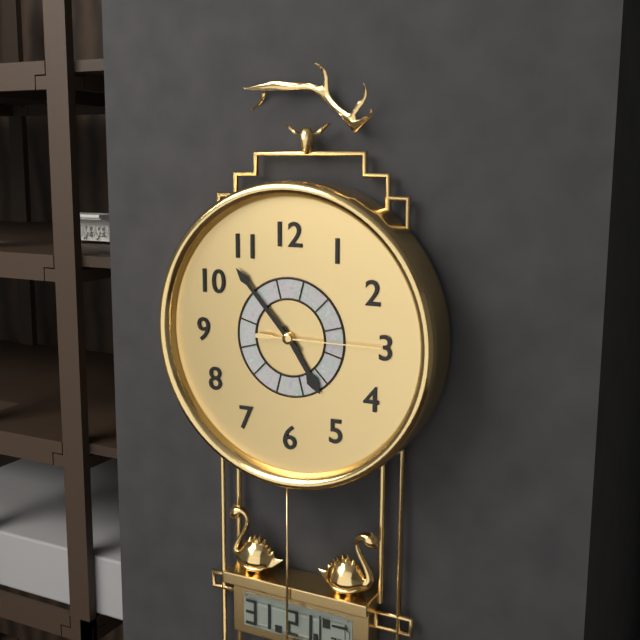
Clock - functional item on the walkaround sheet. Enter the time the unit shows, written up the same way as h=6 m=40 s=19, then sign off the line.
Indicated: h=4 m=53 s=15
